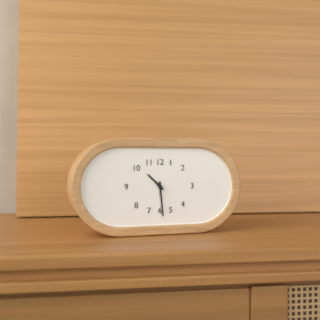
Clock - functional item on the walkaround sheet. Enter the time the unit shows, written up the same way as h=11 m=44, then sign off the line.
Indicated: h=10 m=29
